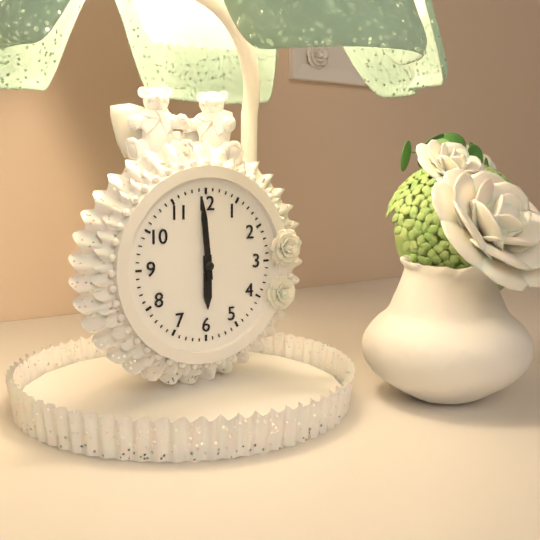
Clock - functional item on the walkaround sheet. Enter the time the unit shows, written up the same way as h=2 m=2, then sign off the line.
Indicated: h=5 m=59
